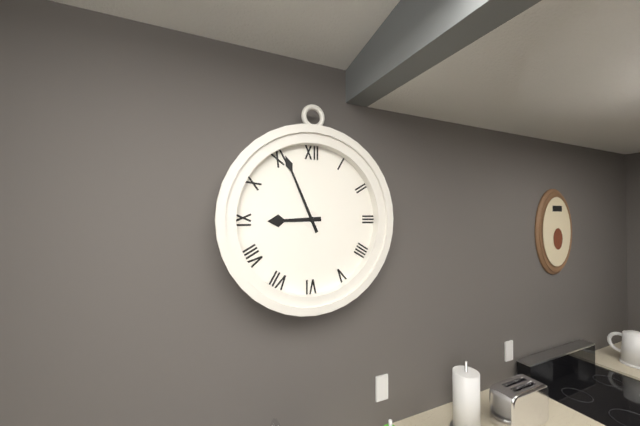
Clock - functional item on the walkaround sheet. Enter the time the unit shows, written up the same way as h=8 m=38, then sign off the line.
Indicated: h=8 m=56
